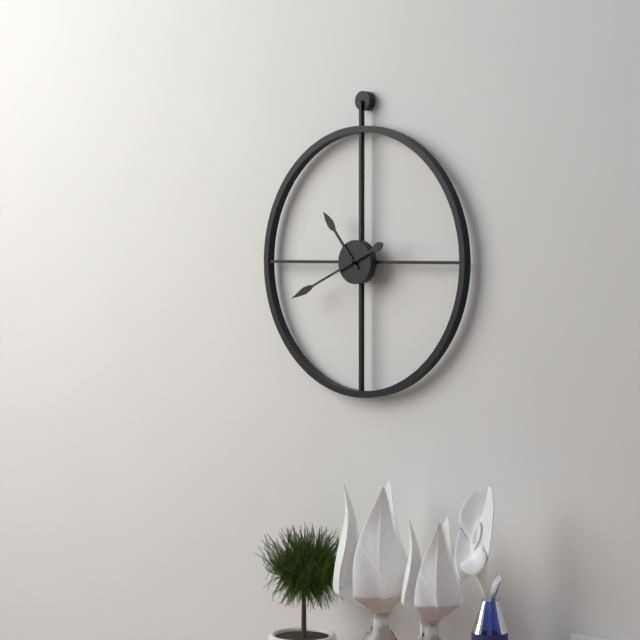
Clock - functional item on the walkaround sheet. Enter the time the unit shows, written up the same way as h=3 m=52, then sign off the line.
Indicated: h=10 m=41
